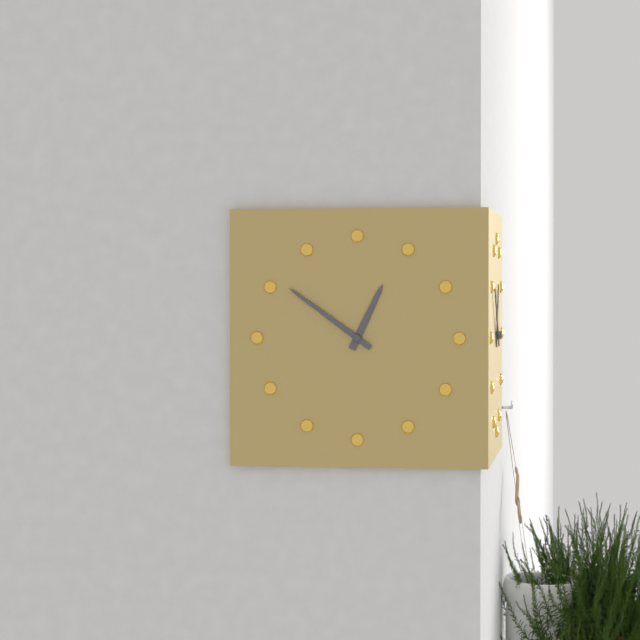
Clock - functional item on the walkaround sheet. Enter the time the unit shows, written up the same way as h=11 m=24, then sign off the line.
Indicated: h=12 m=51
